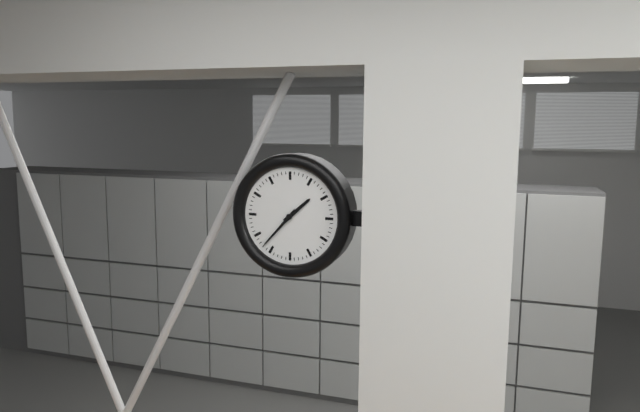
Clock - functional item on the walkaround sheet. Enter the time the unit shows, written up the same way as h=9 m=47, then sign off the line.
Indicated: h=1 m=37
